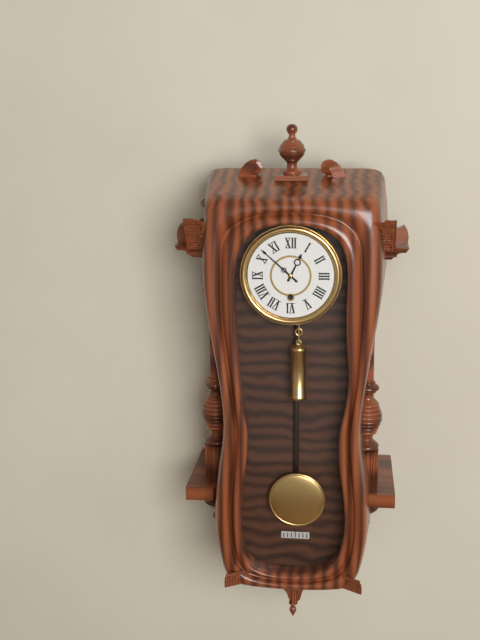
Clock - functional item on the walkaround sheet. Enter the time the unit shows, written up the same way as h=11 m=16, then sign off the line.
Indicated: h=12 m=52
